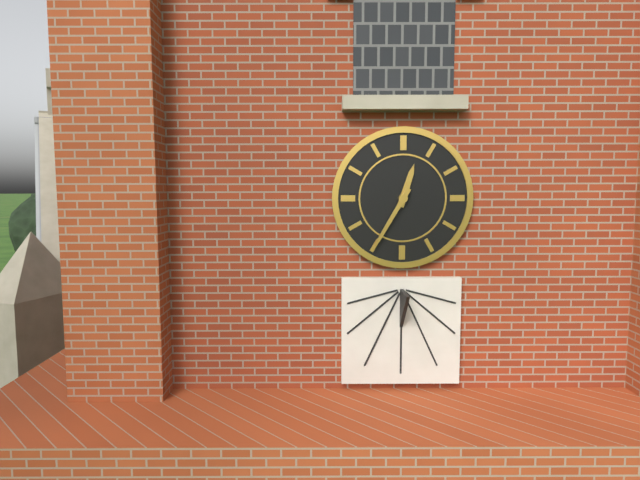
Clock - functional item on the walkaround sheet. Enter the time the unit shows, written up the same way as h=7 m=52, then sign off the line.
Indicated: h=12 m=35
